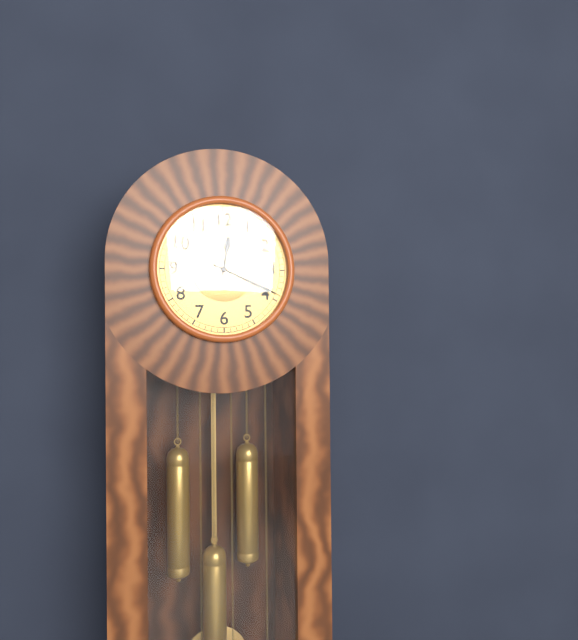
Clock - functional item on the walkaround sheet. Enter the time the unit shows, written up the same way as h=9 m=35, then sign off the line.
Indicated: h=12 m=19
